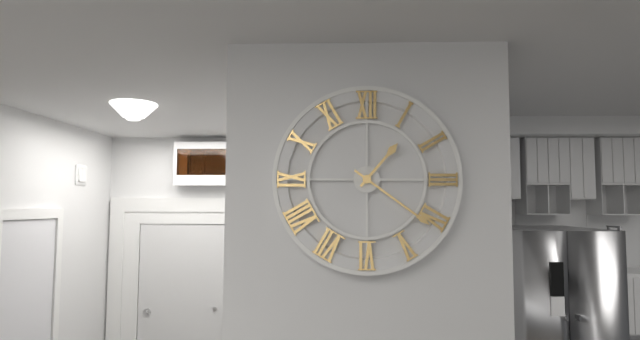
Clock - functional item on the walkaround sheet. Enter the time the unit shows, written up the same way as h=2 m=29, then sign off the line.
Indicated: h=1 m=21
